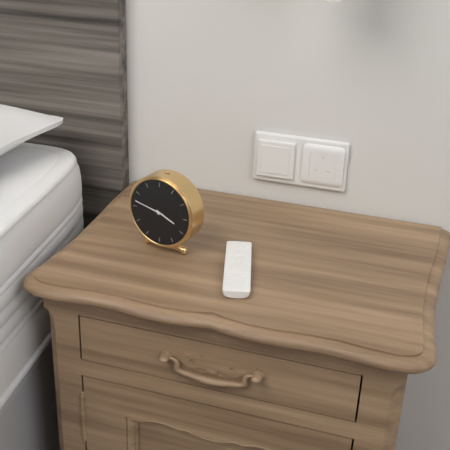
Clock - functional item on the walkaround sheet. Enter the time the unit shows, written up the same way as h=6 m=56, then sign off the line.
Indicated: h=3 m=47
